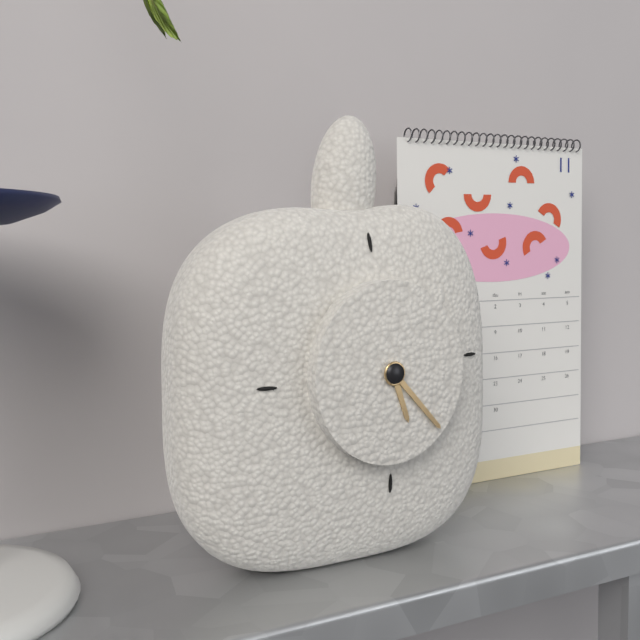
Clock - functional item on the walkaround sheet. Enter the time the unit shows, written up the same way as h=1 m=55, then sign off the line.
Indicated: h=5 m=23
